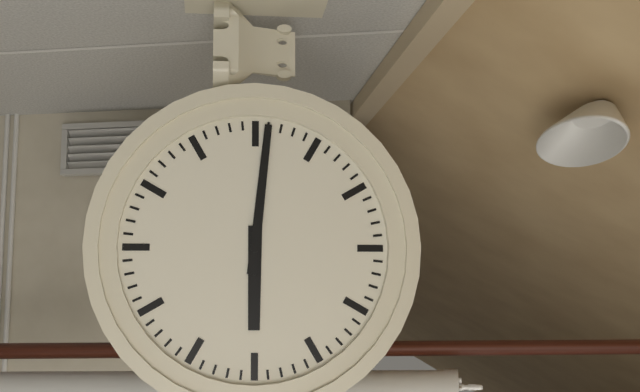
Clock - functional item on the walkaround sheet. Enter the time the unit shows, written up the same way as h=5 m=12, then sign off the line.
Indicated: h=6 m=1
